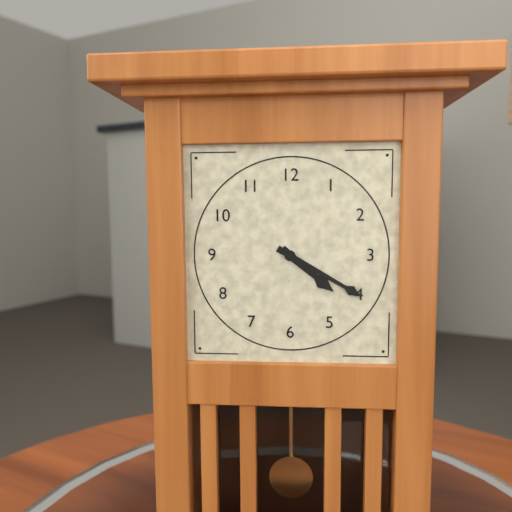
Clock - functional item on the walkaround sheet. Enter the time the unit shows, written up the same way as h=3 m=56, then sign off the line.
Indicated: h=4 m=20
